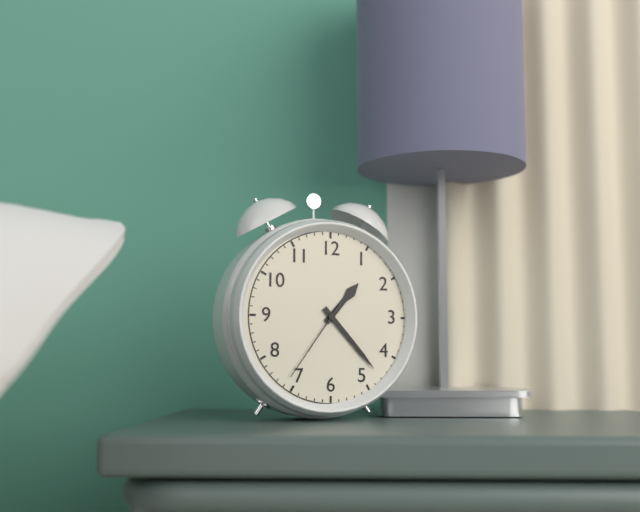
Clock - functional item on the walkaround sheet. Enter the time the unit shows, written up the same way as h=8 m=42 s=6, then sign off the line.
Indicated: h=1 m=23 s=36
